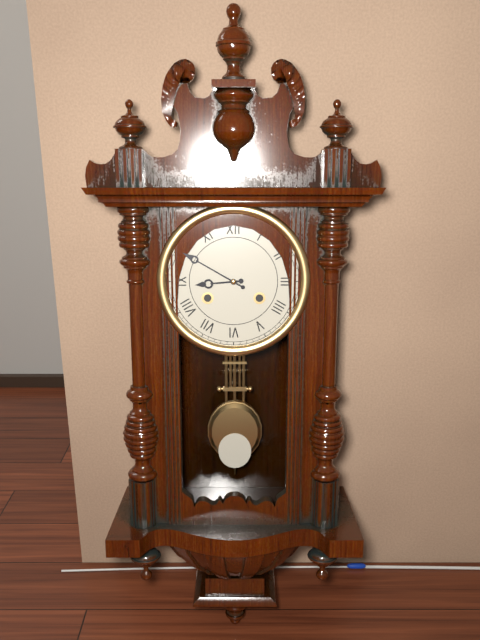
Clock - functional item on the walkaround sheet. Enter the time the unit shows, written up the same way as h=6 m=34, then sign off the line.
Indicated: h=8 m=50
